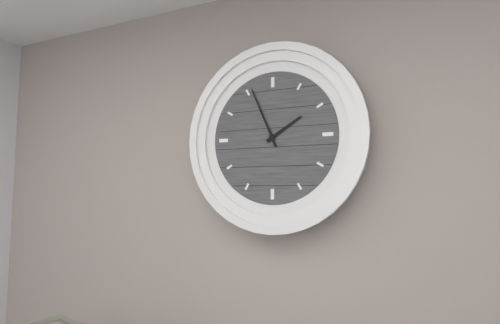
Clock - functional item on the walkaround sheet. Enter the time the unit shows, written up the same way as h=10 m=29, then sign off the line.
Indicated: h=1 m=56
